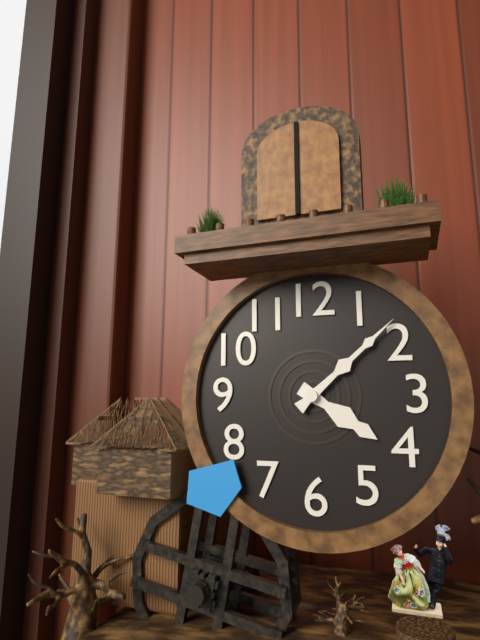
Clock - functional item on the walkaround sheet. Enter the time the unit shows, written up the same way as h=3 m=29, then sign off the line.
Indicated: h=4 m=8
